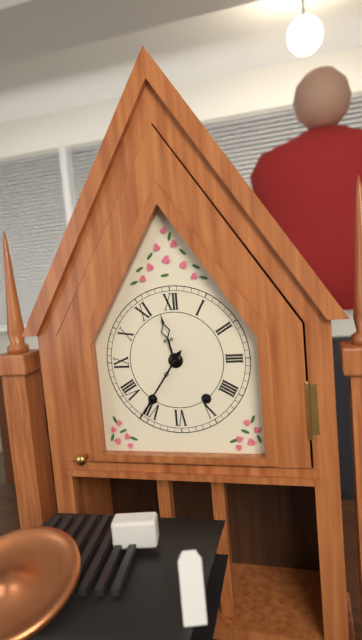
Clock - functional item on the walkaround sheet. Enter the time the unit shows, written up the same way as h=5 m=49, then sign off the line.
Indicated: h=11 m=36
